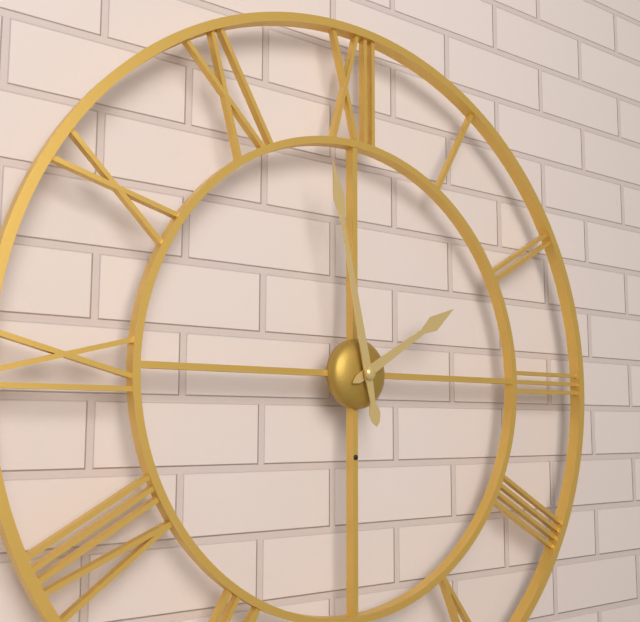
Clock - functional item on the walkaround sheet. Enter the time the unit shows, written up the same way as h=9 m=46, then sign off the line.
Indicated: h=1 m=58
